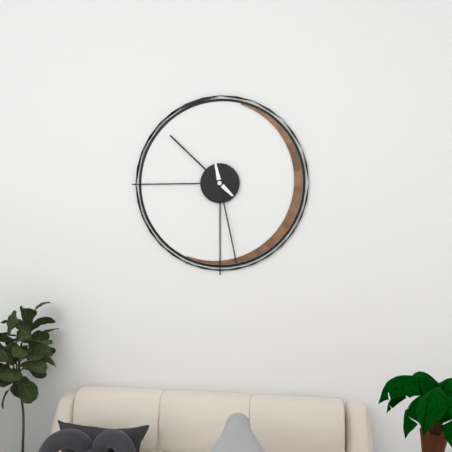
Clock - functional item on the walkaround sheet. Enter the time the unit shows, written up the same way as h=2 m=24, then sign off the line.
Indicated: h=10 m=28
